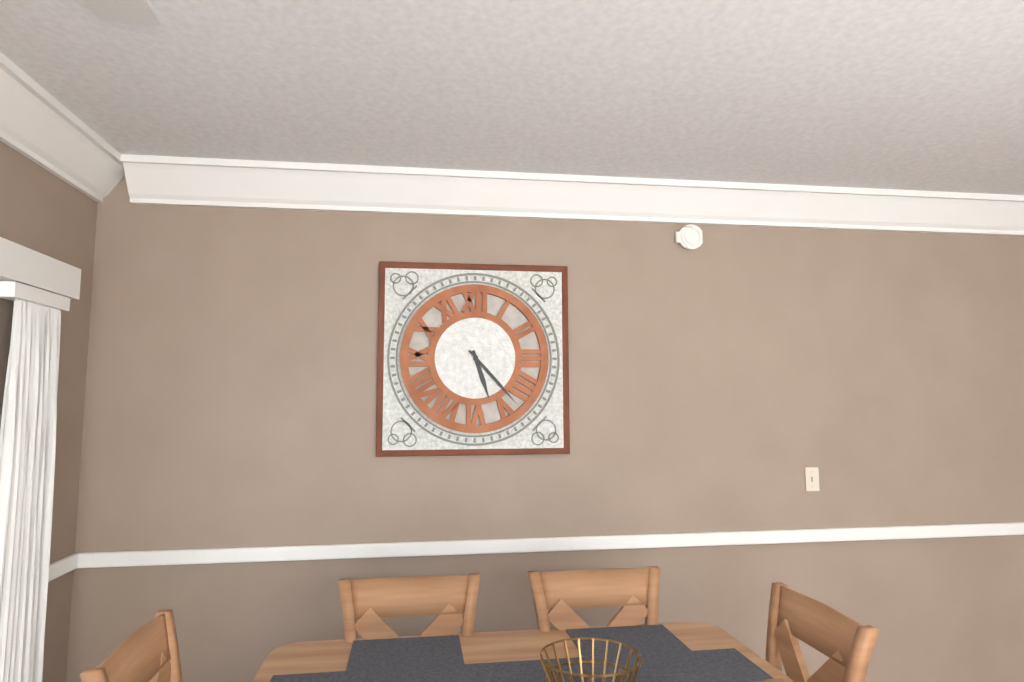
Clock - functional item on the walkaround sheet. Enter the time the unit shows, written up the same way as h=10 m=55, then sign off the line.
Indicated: h=5 m=23
